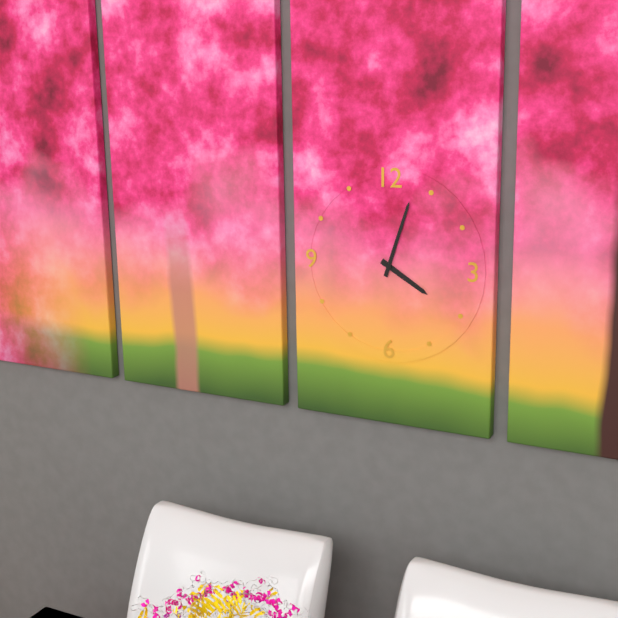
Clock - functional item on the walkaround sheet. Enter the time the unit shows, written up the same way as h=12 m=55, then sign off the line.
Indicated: h=4 m=3
